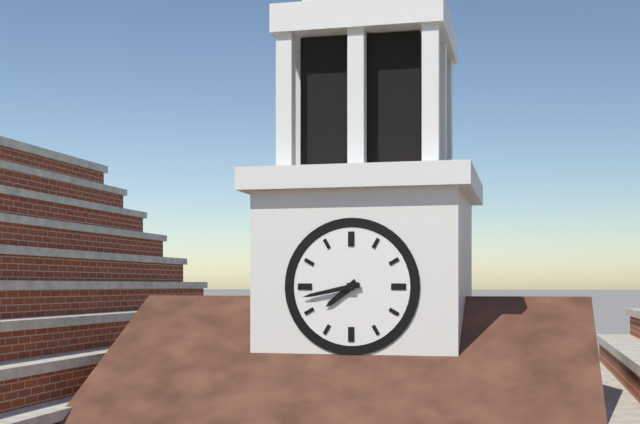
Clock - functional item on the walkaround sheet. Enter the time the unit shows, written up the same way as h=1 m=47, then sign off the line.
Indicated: h=7 m=43
